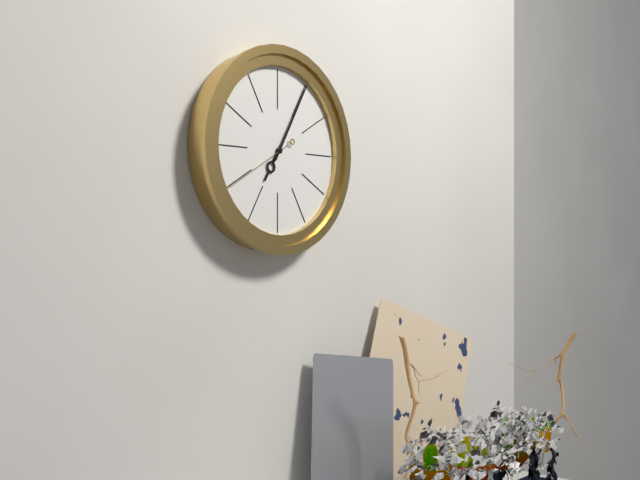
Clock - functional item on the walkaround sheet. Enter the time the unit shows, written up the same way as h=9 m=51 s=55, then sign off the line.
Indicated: h=7 m=5 s=40
